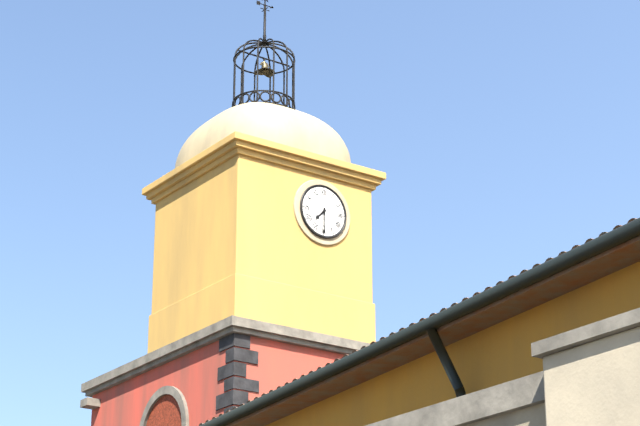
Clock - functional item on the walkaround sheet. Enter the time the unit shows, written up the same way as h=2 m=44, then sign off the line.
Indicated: h=7 m=30
